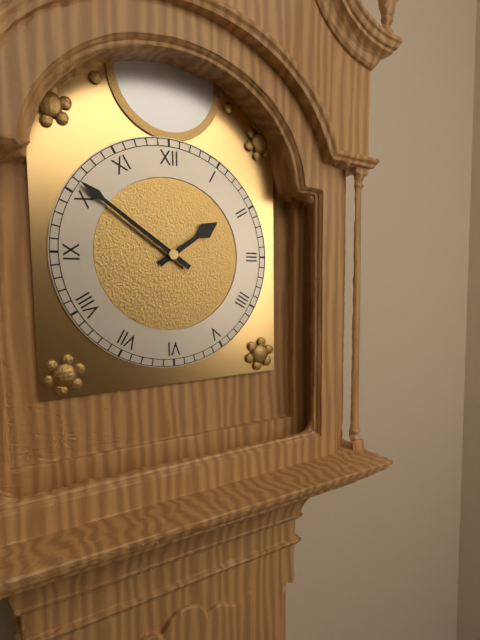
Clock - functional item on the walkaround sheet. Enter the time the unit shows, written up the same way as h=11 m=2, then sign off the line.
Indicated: h=1 m=51
